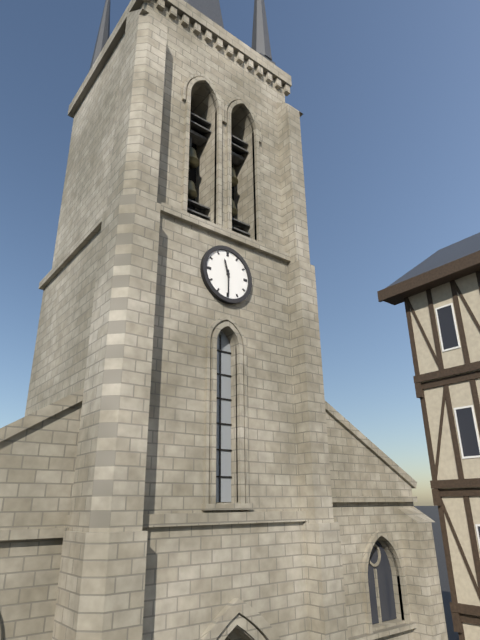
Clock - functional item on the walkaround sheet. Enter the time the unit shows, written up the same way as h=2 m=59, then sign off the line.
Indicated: h=11 m=30
